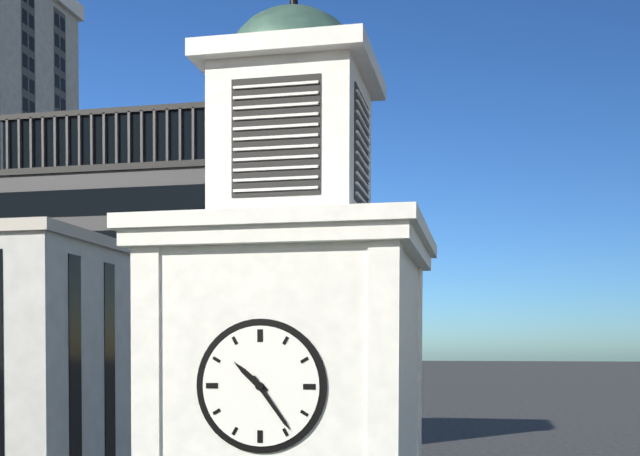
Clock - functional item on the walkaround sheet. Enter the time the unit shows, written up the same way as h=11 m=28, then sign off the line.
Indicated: h=10 m=24
